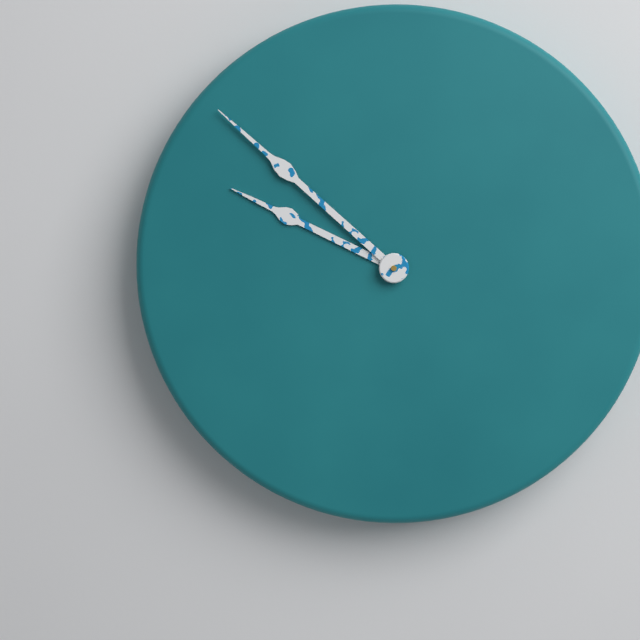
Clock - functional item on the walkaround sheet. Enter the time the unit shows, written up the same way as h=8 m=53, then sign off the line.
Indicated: h=9 m=52
